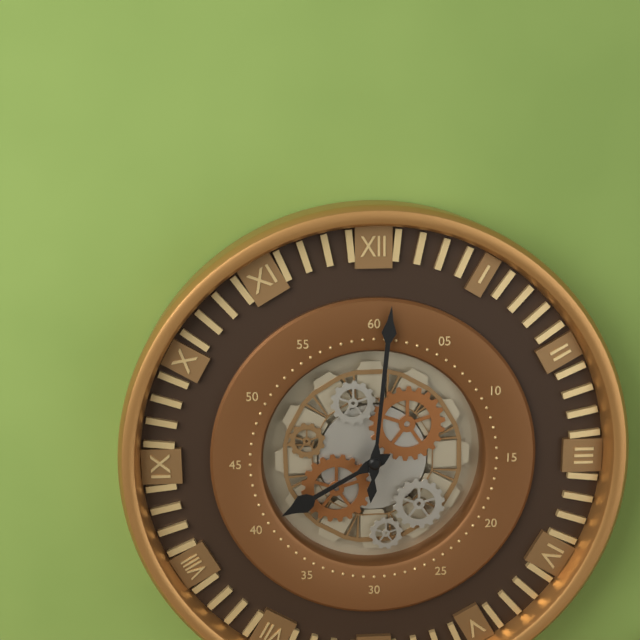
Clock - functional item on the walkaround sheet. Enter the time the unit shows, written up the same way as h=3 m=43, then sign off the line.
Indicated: h=8 m=1
